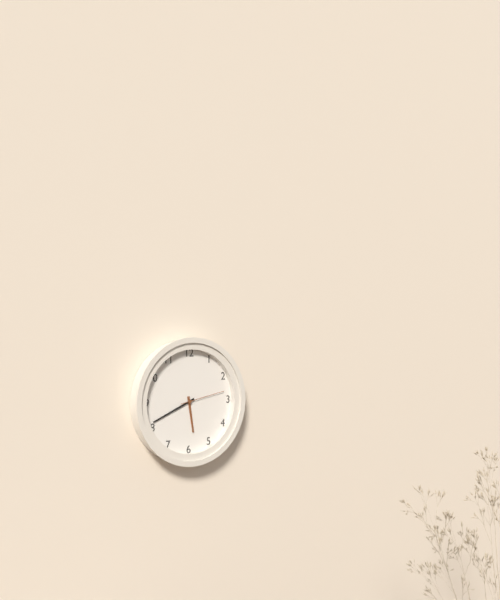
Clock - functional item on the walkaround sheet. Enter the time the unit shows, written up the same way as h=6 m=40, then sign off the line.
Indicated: h=5 m=41
